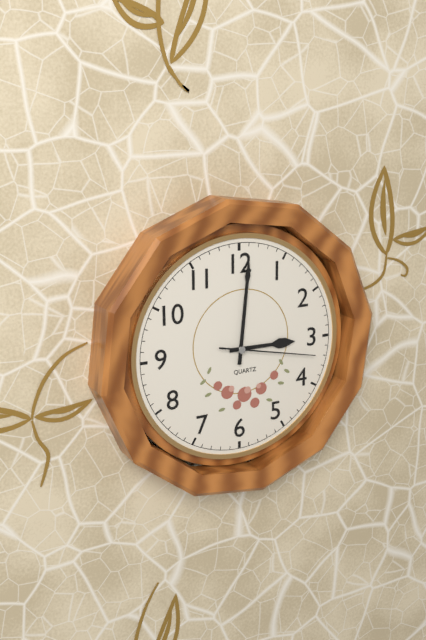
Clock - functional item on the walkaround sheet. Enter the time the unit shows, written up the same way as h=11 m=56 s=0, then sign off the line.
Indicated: h=3 m=1 s=17
